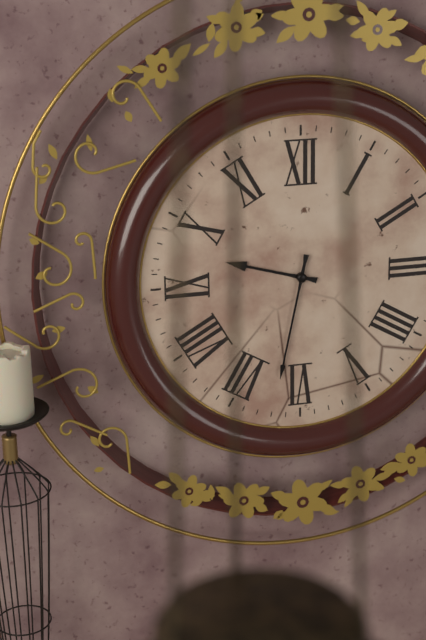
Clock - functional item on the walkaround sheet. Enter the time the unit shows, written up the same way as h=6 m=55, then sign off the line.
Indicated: h=9 m=32
